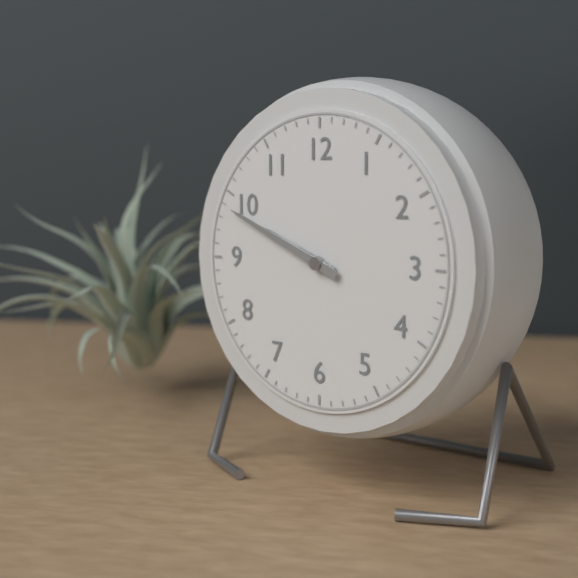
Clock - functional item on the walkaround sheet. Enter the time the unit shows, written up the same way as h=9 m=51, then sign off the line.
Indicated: h=9 m=49
